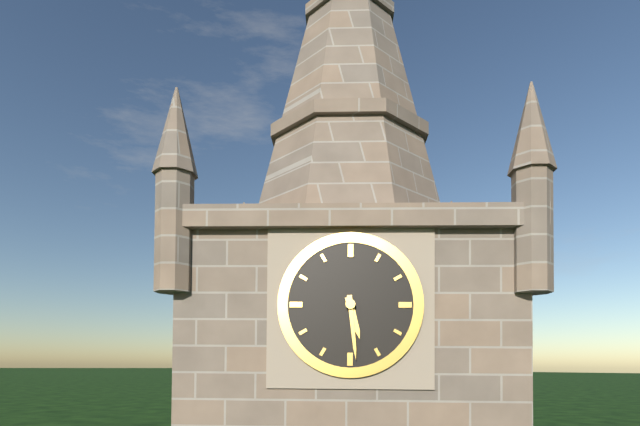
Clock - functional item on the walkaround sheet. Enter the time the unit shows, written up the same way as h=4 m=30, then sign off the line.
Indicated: h=5 m=29
